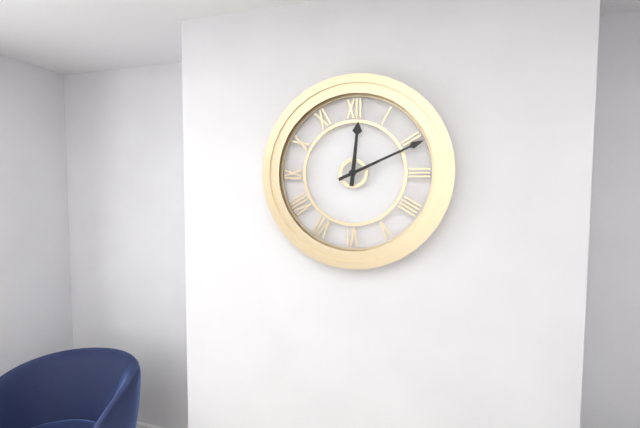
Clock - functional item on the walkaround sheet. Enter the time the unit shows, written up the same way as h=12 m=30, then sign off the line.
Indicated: h=12 m=11
